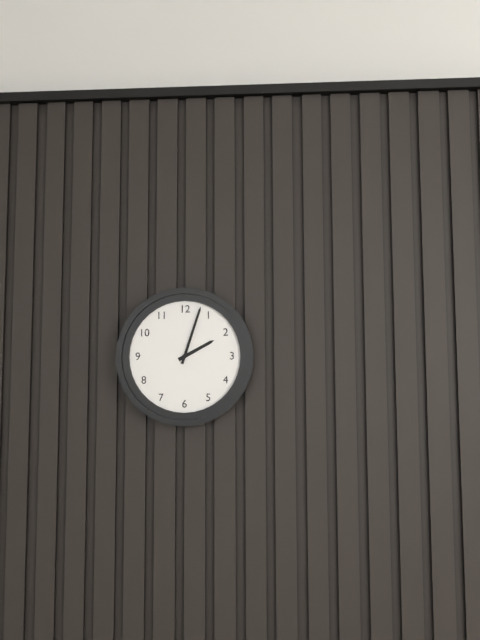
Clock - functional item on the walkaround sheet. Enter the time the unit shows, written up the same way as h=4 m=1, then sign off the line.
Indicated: h=2 m=3
